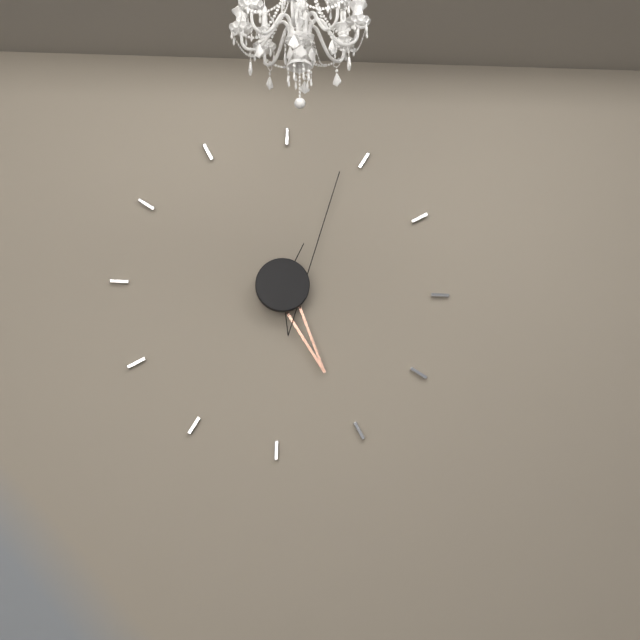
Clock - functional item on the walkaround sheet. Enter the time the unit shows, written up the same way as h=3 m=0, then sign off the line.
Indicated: h=5 m=4
